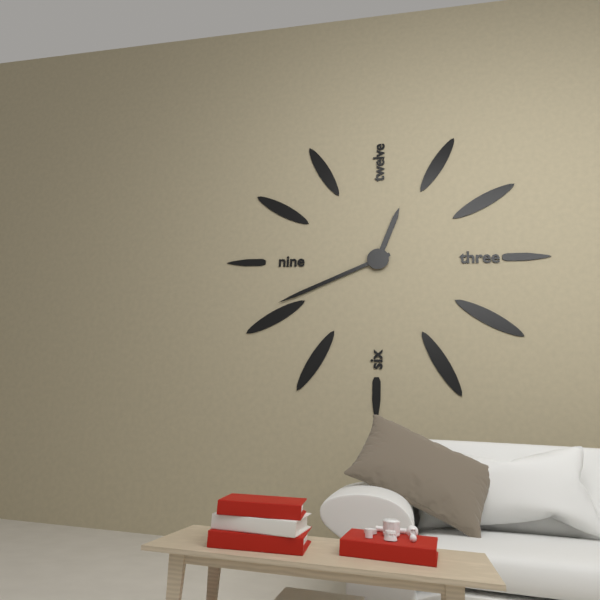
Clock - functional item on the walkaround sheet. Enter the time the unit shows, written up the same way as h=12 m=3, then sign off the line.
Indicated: h=12 m=41
